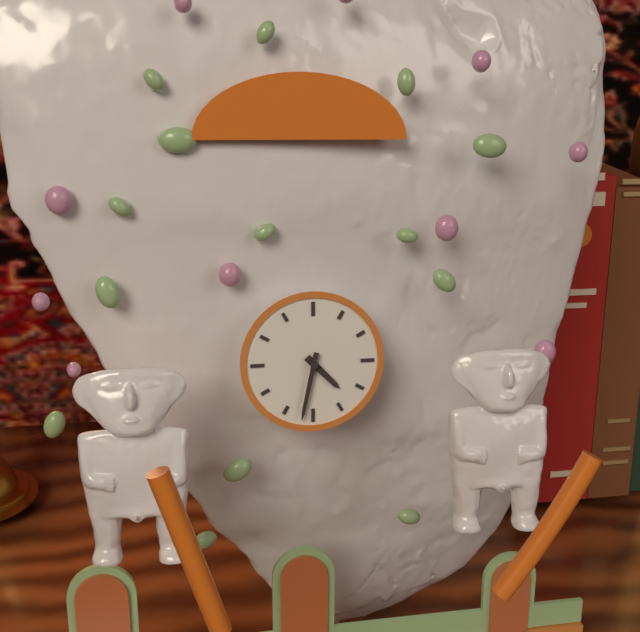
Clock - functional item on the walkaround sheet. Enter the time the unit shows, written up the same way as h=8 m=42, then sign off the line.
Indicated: h=4 m=32
